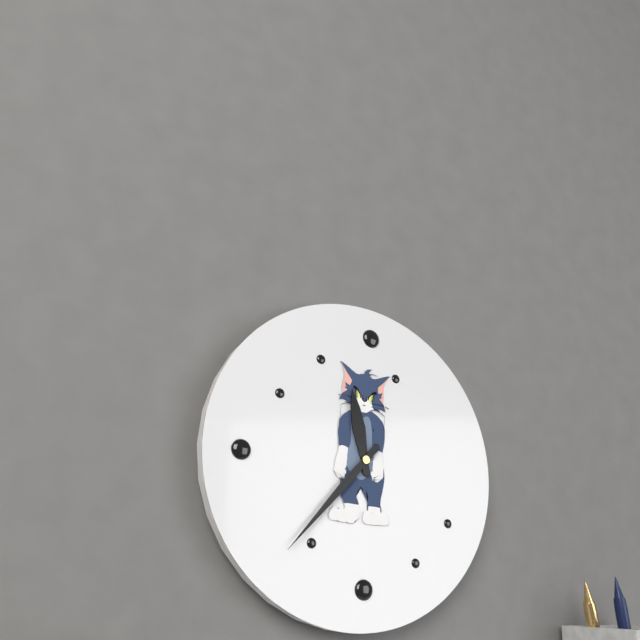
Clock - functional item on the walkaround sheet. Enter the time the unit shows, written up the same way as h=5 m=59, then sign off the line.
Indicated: h=11 m=37
